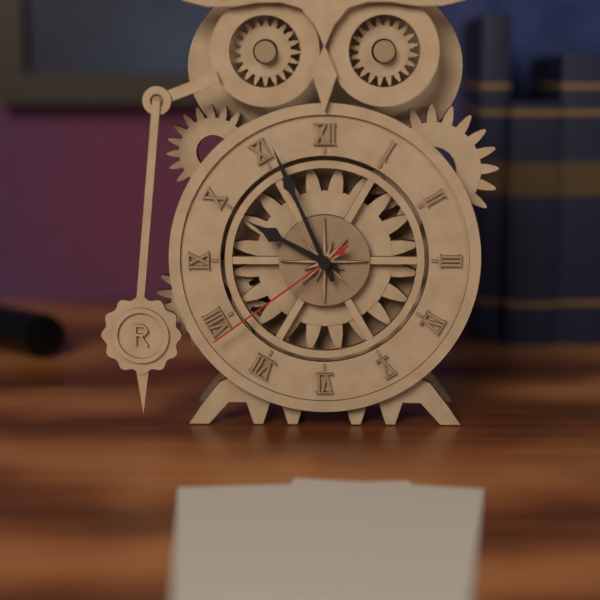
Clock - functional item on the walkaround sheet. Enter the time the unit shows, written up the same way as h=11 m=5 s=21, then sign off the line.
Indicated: h=9 m=56 s=39
